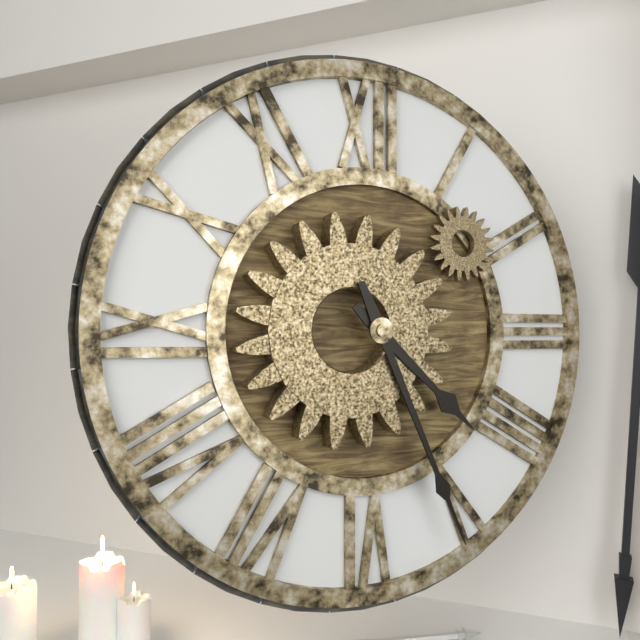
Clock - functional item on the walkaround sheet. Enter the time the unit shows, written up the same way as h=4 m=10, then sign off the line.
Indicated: h=4 m=26
